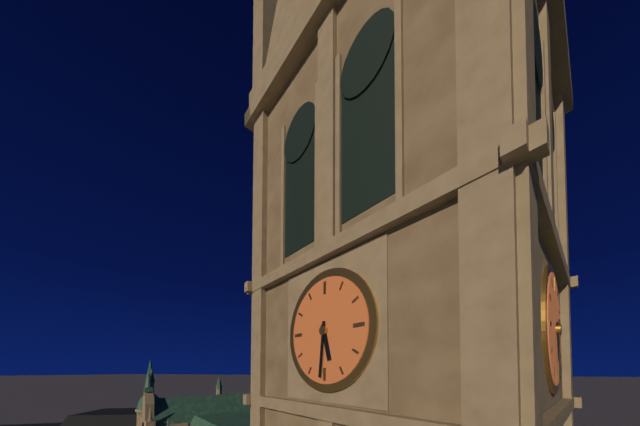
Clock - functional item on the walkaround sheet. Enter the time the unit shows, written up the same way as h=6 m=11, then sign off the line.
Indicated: h=5 m=31
